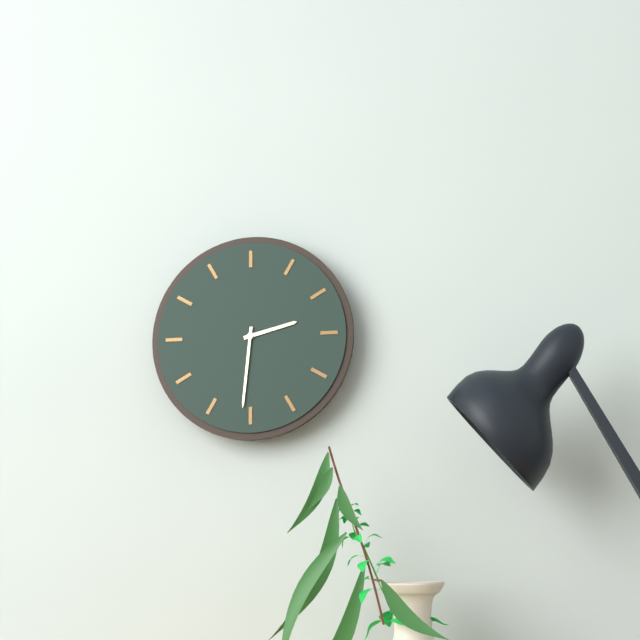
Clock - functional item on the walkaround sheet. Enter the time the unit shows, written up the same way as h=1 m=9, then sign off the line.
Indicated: h=2 m=31
